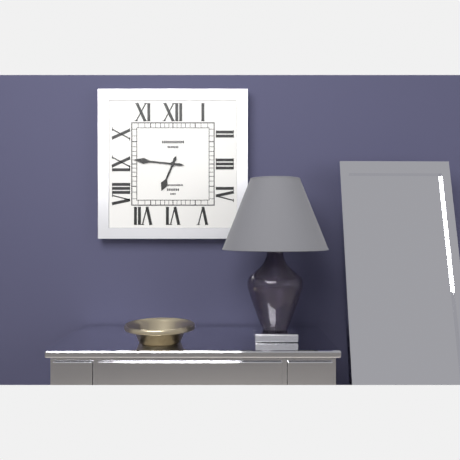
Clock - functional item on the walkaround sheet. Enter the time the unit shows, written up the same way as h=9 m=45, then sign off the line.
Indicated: h=6 m=46
